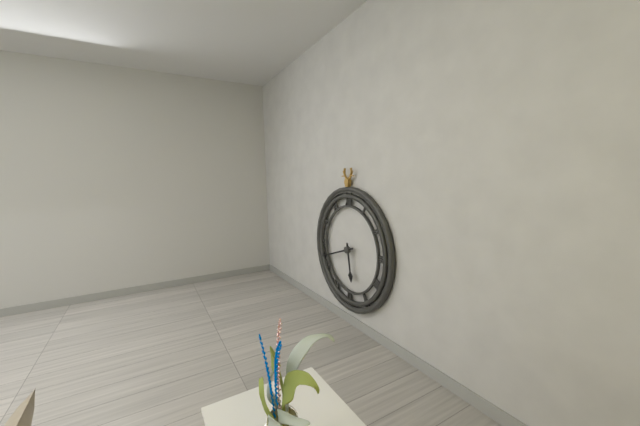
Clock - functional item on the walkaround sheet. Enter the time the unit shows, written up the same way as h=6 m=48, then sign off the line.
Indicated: h=5 m=42
